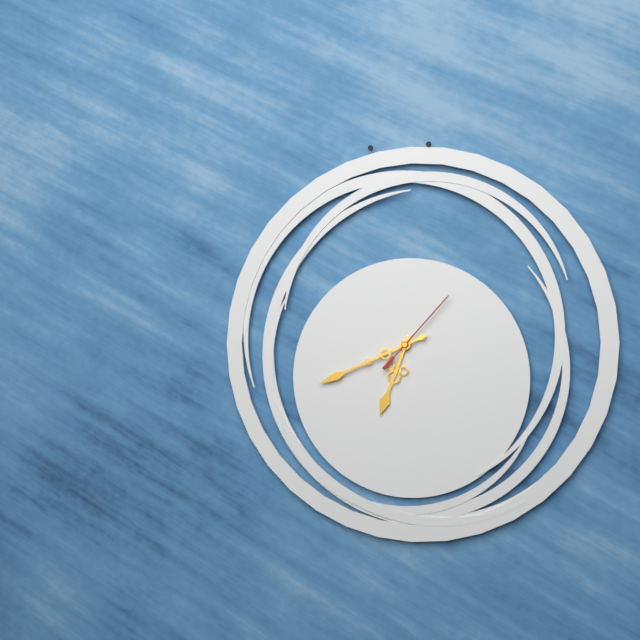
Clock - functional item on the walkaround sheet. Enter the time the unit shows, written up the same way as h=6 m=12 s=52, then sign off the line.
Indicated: h=6 m=41 s=7
